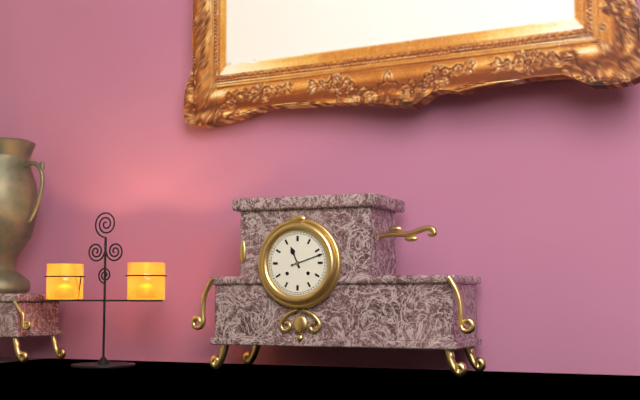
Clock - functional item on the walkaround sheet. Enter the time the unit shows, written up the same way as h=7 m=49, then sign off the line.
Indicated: h=11 m=12
